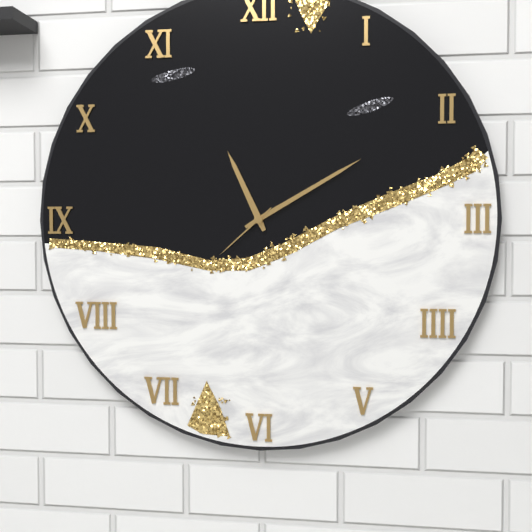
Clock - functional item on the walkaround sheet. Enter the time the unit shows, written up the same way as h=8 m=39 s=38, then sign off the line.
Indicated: h=11 m=10 s=38
